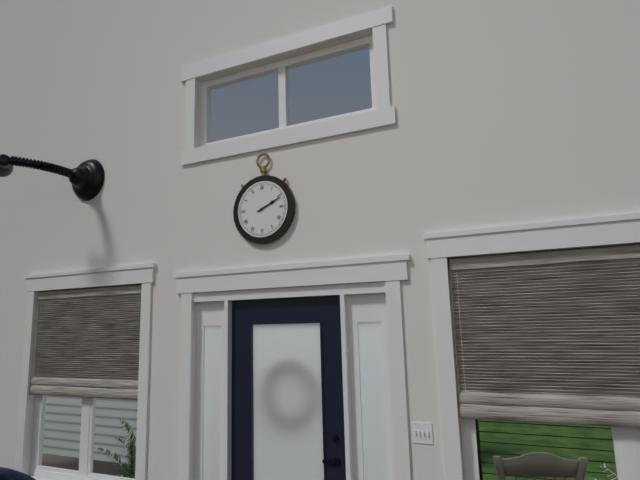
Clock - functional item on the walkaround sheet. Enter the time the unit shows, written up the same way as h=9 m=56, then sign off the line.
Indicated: h=2 m=11
